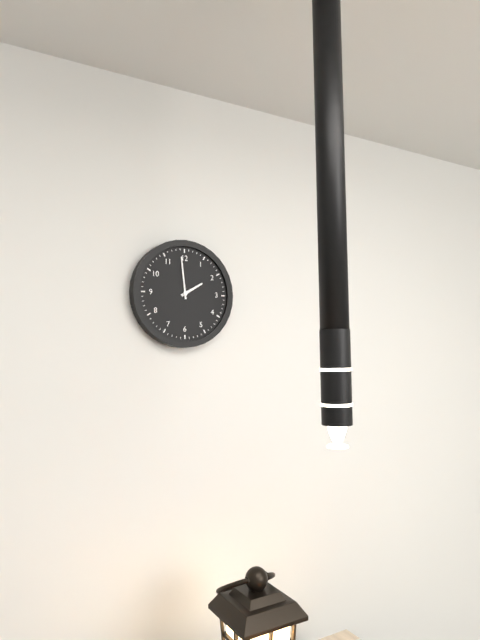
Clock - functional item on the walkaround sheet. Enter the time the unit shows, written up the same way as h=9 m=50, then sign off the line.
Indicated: h=1 m=59
